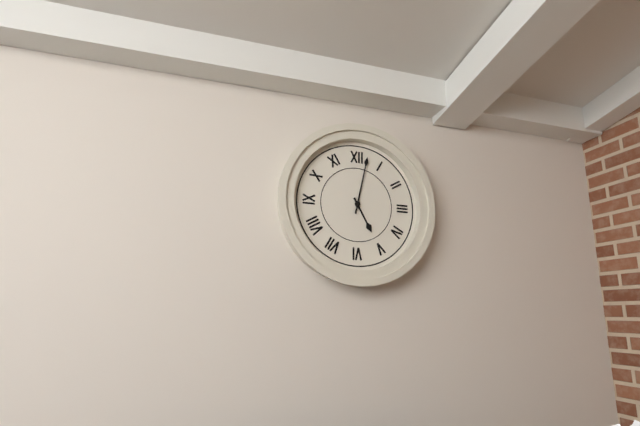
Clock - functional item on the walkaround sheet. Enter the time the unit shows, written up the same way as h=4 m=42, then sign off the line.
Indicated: h=5 m=2
